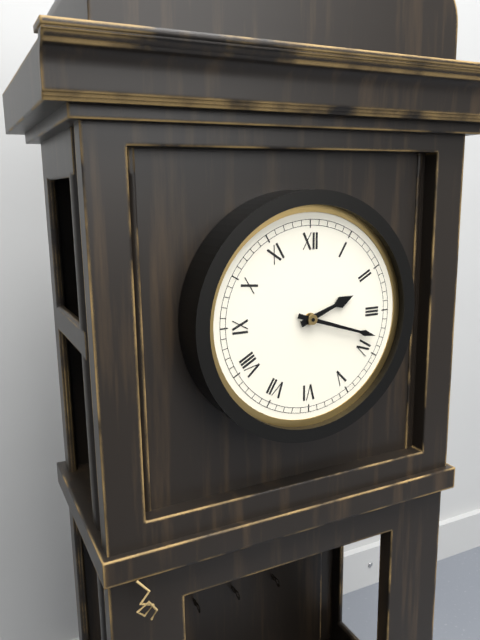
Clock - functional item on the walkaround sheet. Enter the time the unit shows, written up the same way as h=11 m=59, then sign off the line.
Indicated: h=2 m=18
